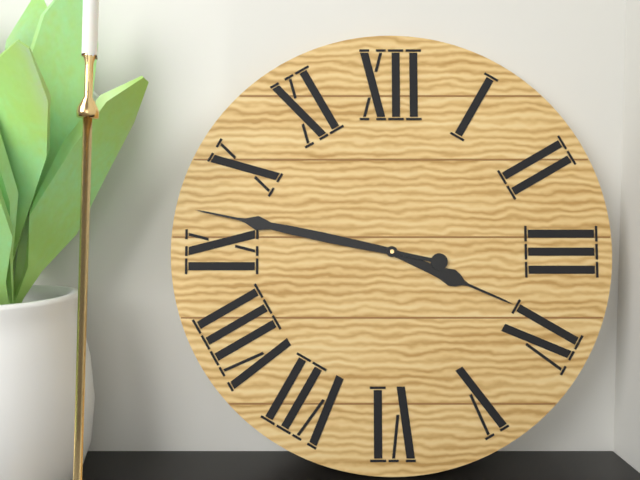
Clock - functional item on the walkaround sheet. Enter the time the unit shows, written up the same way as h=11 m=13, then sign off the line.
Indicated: h=3 m=47
